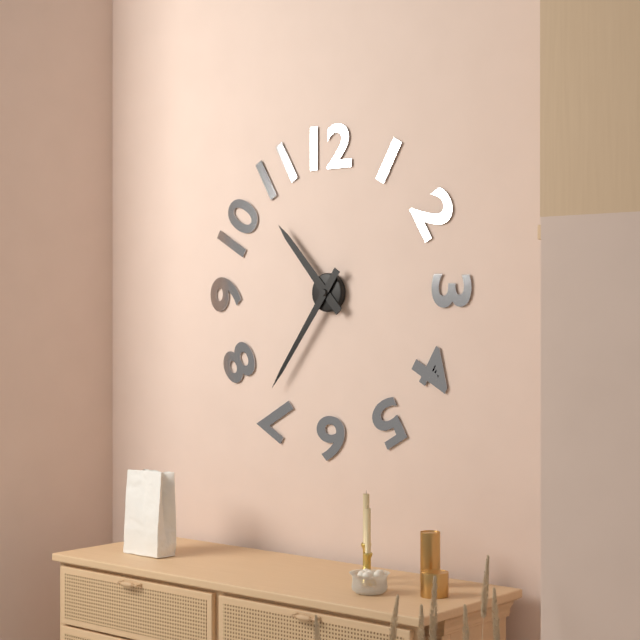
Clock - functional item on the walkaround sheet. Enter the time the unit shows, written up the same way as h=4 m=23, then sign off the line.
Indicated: h=10 m=36
